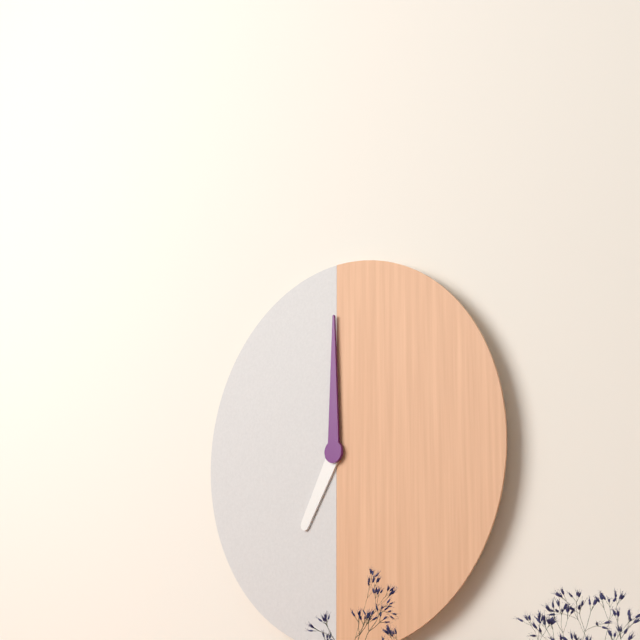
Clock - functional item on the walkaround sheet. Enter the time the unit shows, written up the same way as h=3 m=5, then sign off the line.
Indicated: h=7 m=0
